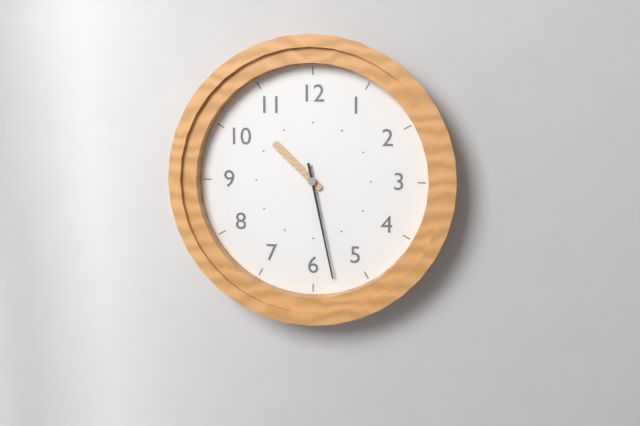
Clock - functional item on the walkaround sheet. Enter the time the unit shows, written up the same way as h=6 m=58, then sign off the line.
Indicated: h=10 m=28
